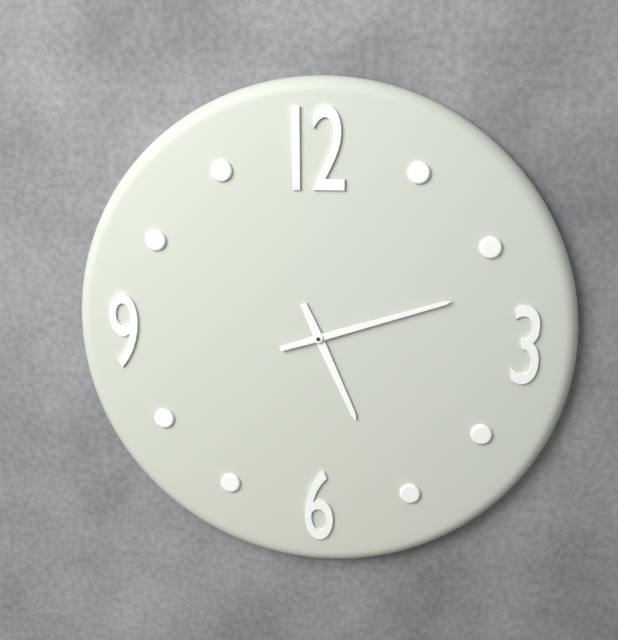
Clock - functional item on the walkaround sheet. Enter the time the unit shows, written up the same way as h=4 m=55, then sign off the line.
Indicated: h=5 m=12
